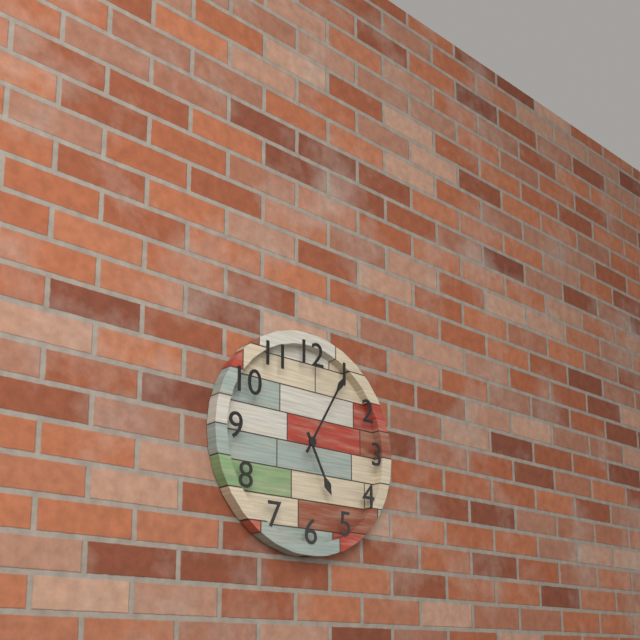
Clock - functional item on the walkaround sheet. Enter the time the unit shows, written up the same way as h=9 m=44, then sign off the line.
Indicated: h=5 m=5
